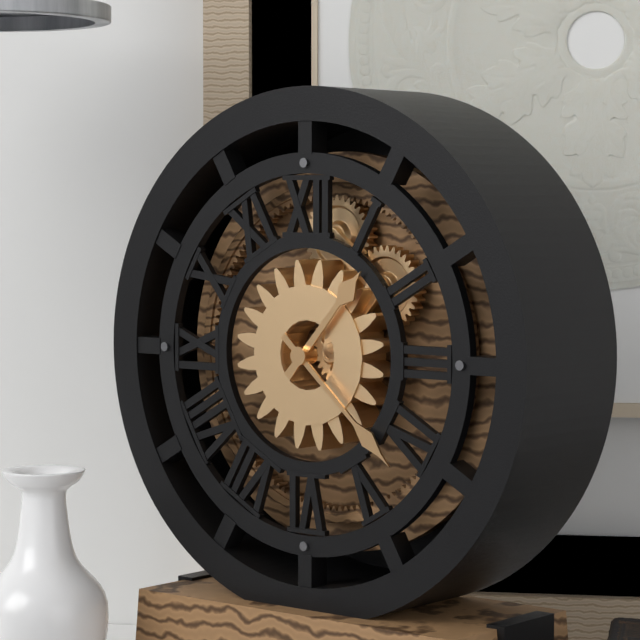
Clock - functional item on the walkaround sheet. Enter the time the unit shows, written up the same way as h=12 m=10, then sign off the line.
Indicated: h=1 m=22
